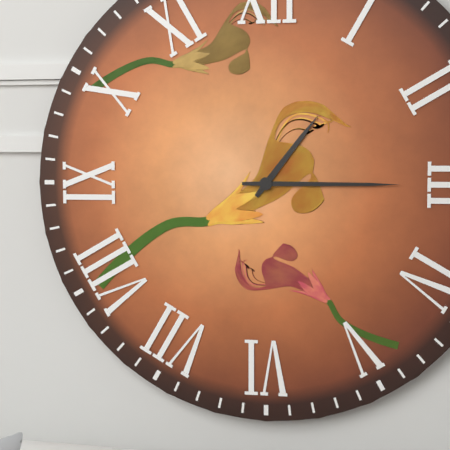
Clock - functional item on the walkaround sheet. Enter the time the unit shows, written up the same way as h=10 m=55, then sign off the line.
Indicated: h=1 m=15
